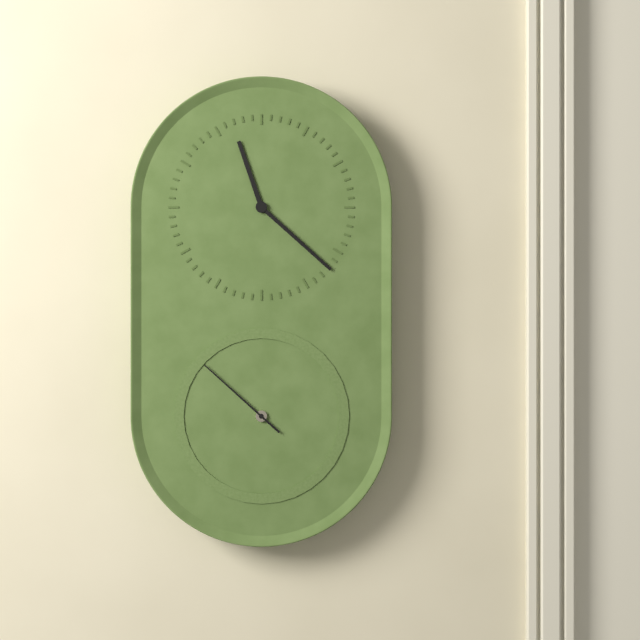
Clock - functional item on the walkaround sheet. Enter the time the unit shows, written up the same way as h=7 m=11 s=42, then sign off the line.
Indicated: h=11 m=22 s=52
